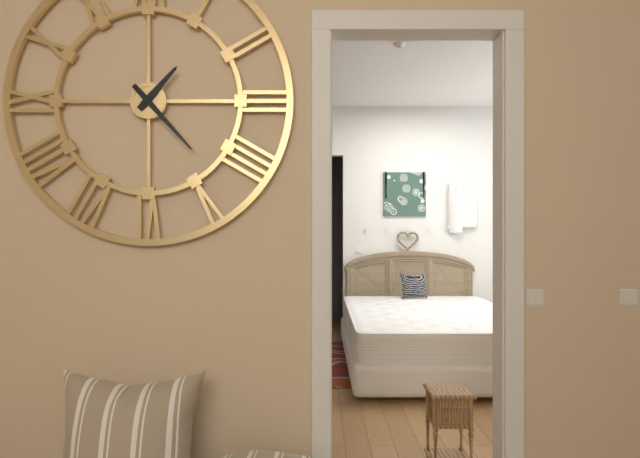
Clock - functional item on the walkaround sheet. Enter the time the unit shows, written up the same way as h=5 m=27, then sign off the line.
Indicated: h=1 m=23
